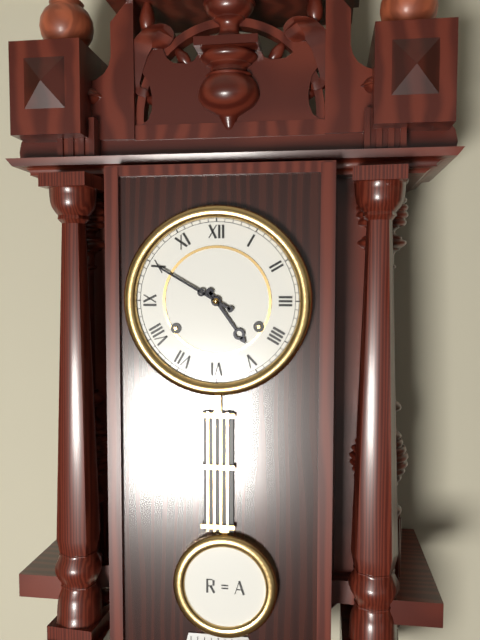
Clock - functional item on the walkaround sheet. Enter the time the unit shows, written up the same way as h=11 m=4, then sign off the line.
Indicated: h=4 m=50
